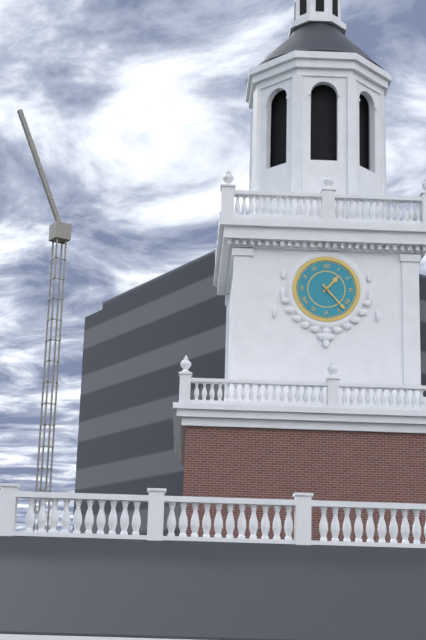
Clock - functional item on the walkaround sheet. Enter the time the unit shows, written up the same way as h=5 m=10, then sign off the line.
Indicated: h=1 m=23
